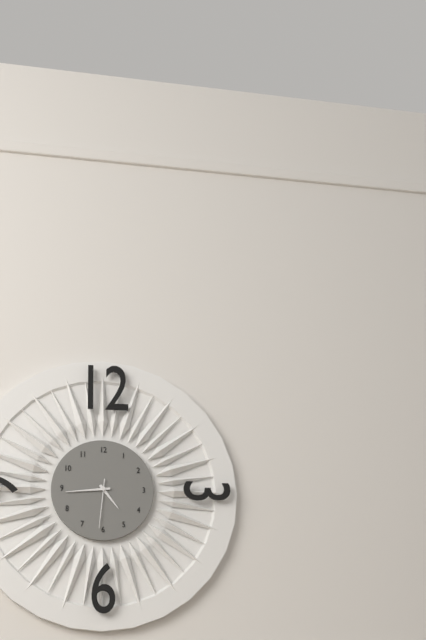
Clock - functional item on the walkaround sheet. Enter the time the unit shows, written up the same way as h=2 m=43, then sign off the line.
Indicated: h=4 m=44
